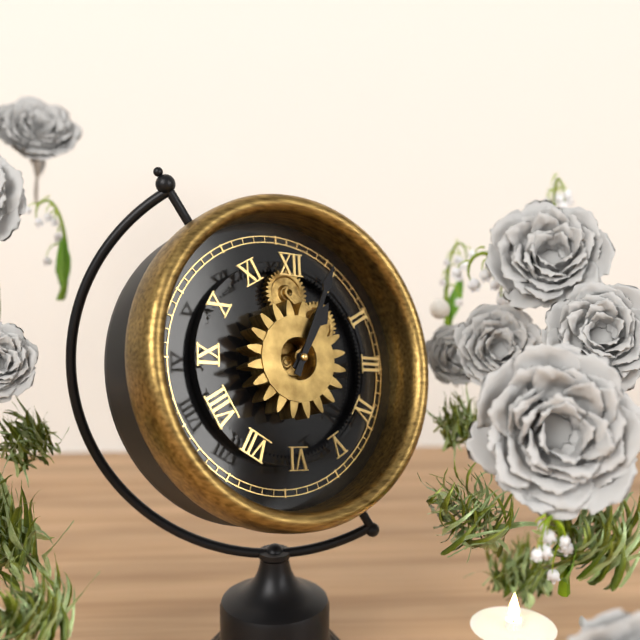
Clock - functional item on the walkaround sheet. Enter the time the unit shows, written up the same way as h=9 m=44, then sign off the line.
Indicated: h=1 m=4
